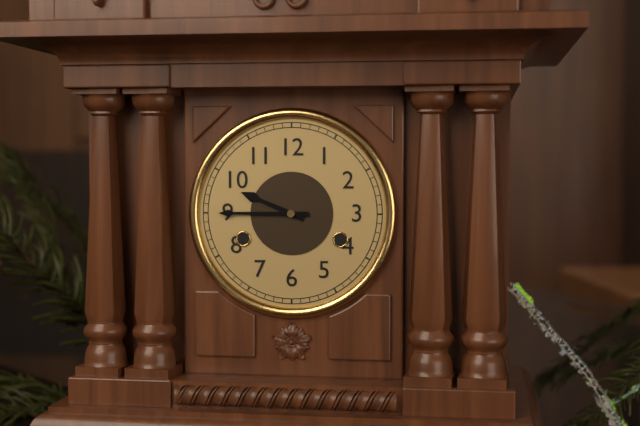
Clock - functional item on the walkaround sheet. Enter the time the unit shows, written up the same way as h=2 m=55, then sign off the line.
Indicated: h=9 m=45
